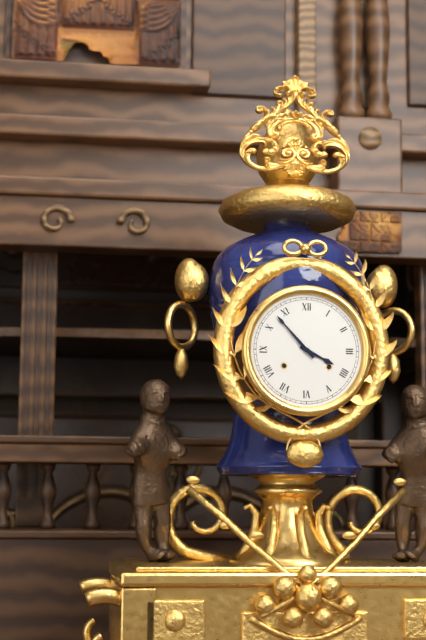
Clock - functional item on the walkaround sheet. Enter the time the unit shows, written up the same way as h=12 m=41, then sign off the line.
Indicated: h=3 m=53
